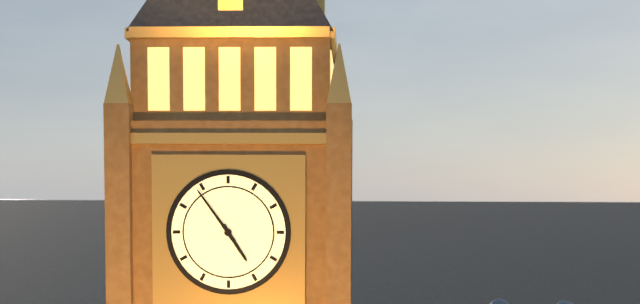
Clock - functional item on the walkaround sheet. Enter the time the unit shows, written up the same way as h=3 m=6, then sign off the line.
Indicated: h=4 m=54
